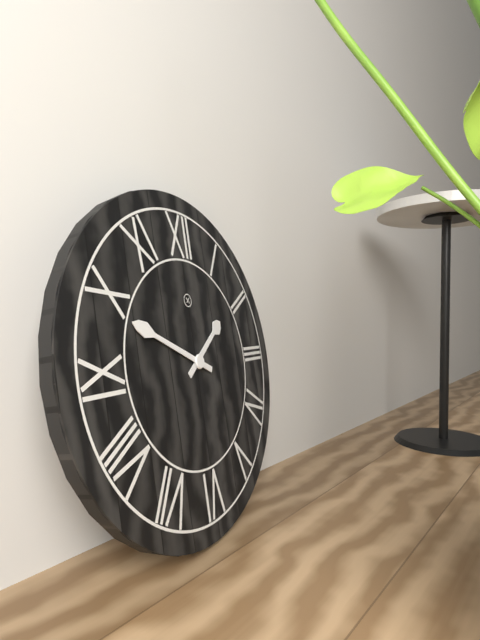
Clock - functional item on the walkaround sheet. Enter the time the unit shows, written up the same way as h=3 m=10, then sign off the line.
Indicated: h=1 m=49
